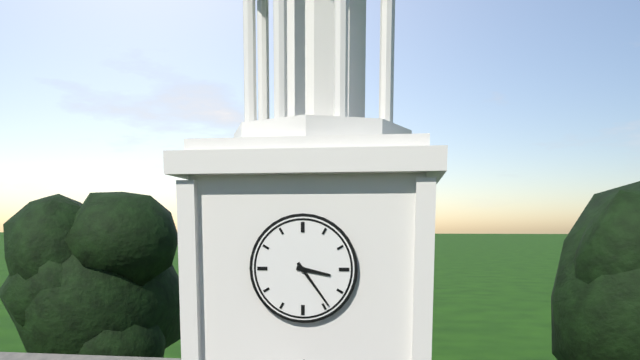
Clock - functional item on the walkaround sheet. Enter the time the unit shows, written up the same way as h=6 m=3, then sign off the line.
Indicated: h=3 m=24
